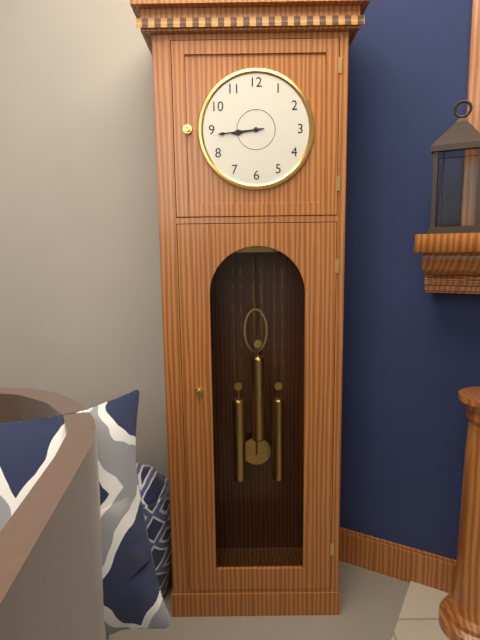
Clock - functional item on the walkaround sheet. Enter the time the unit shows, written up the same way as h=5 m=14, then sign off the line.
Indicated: h=8 m=44
